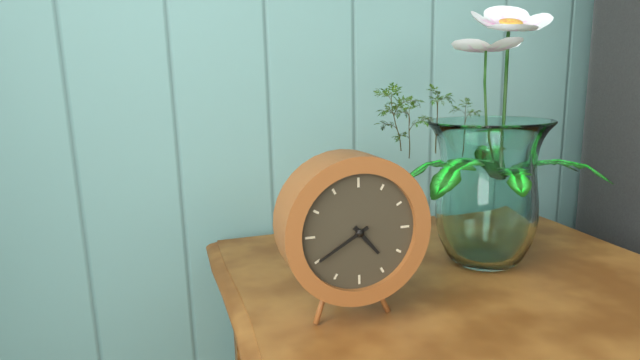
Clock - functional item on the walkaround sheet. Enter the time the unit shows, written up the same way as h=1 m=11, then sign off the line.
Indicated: h=4 m=40
